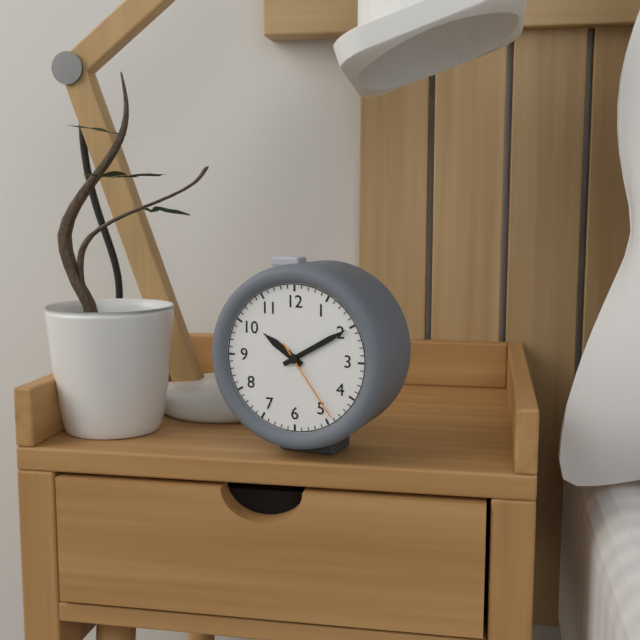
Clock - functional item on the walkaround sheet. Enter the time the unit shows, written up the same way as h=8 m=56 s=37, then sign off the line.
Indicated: h=10 m=10 s=24
